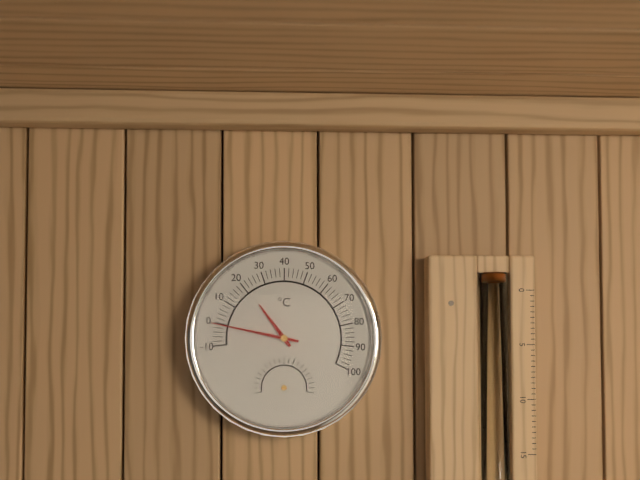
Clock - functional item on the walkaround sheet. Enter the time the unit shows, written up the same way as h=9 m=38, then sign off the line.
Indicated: h=10 m=47
